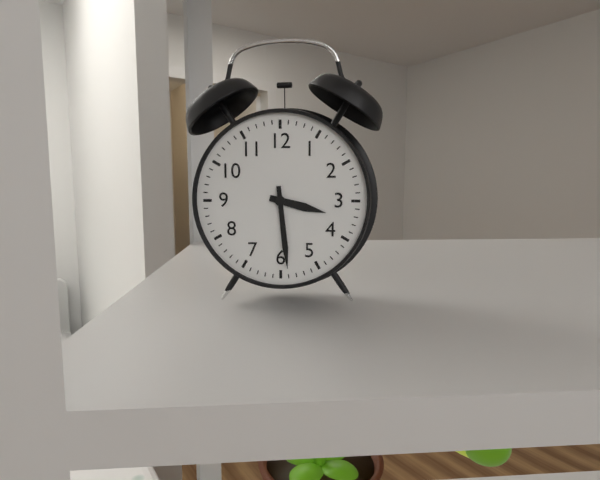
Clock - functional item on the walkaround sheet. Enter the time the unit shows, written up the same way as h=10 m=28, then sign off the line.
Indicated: h=3 m=29
